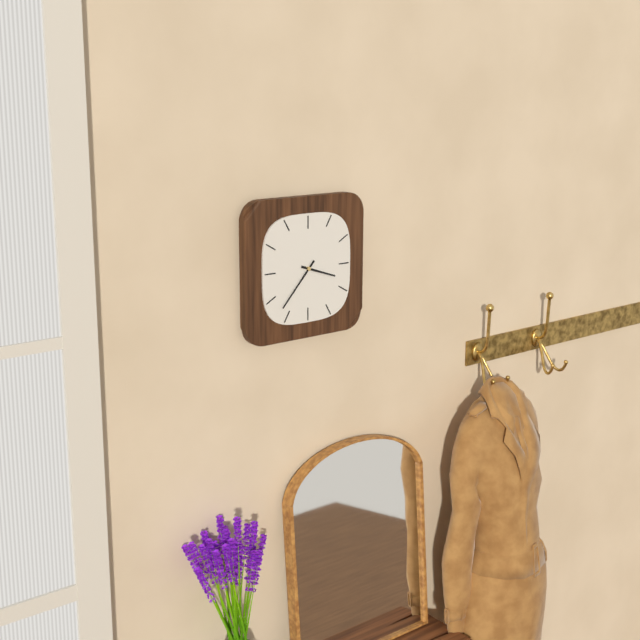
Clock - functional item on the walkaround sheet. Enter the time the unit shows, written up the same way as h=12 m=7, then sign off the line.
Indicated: h=3 m=37
